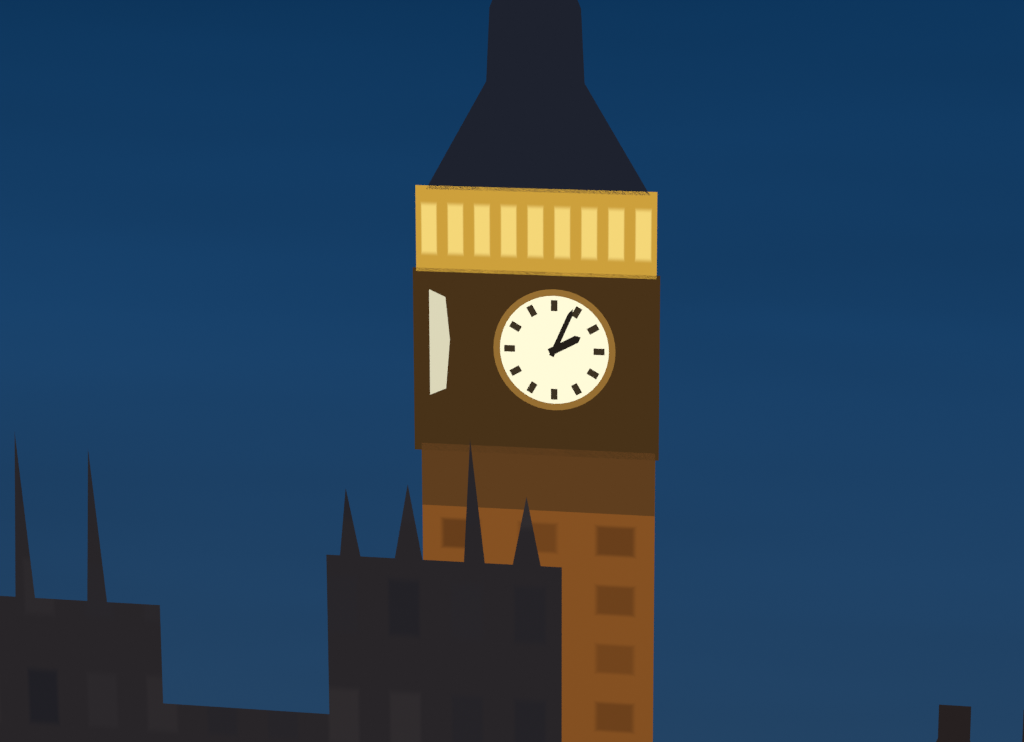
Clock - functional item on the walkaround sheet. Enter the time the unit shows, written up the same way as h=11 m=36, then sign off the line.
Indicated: h=2 m=4
